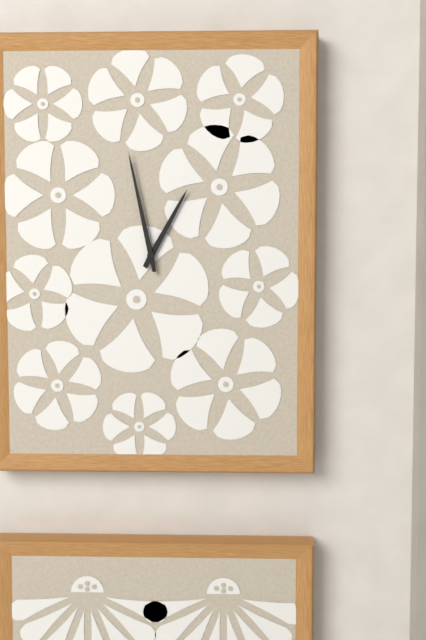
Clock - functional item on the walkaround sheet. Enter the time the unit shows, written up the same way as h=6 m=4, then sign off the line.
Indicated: h=12 m=58
